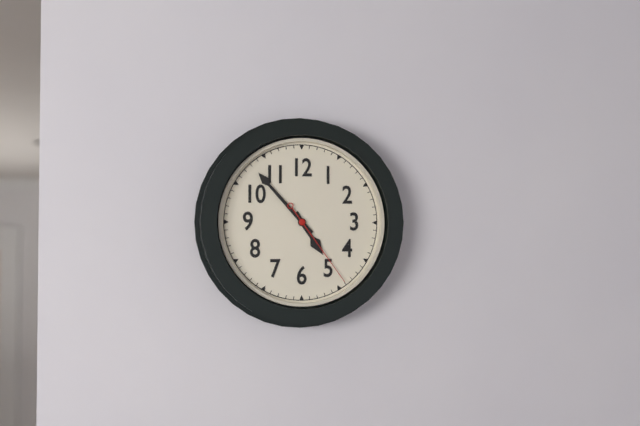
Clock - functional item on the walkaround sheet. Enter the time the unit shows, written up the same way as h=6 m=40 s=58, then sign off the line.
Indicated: h=4 m=53 s=24
